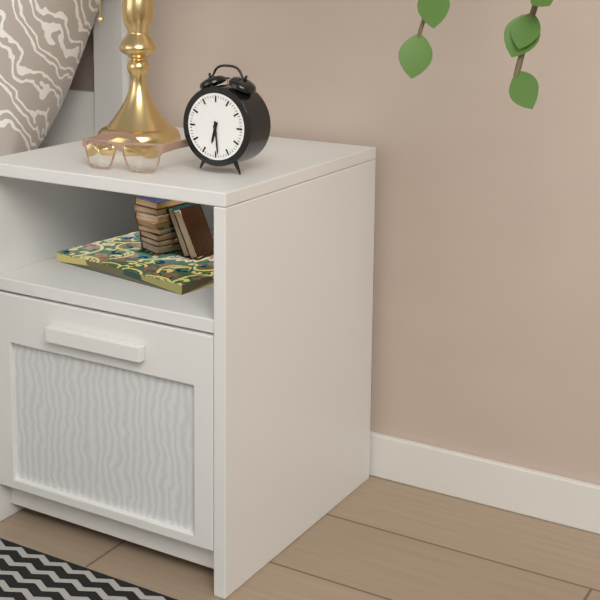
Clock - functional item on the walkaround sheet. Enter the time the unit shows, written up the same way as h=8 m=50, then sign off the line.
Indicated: h=6 m=29
